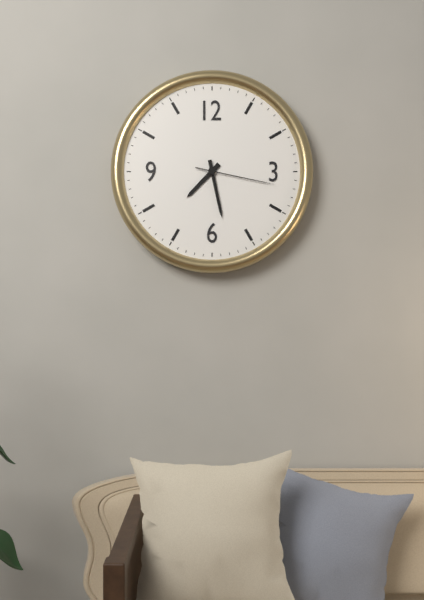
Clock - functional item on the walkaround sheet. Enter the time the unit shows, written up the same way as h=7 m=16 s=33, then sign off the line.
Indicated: h=7 m=28 s=17
